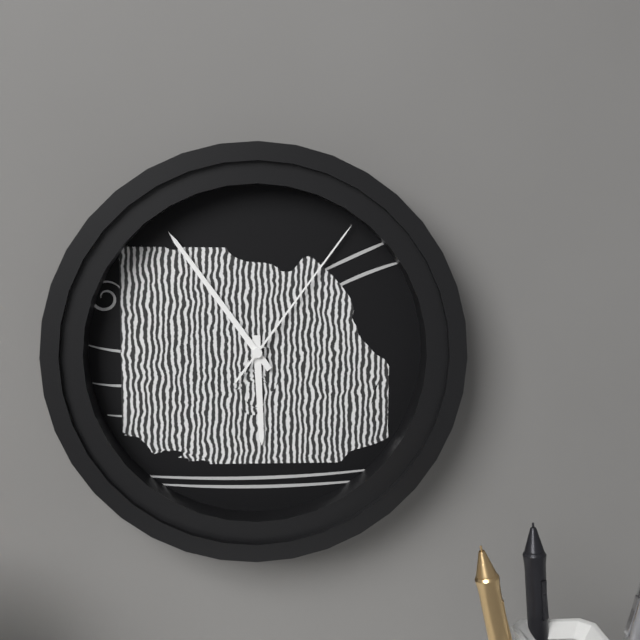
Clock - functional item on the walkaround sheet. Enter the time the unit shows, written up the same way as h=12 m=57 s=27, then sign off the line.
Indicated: h=5 m=54 s=6
